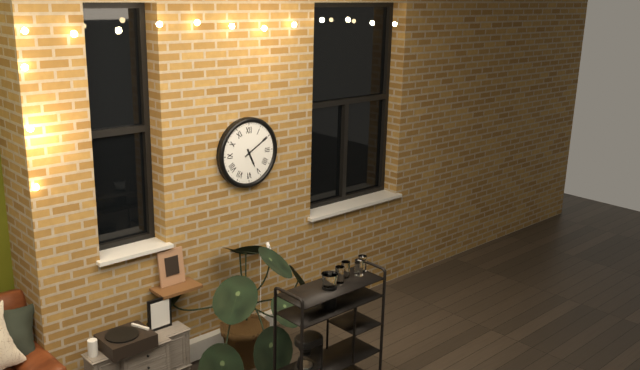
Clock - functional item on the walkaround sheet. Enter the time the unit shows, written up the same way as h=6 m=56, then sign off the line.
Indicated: h=5 m=10
